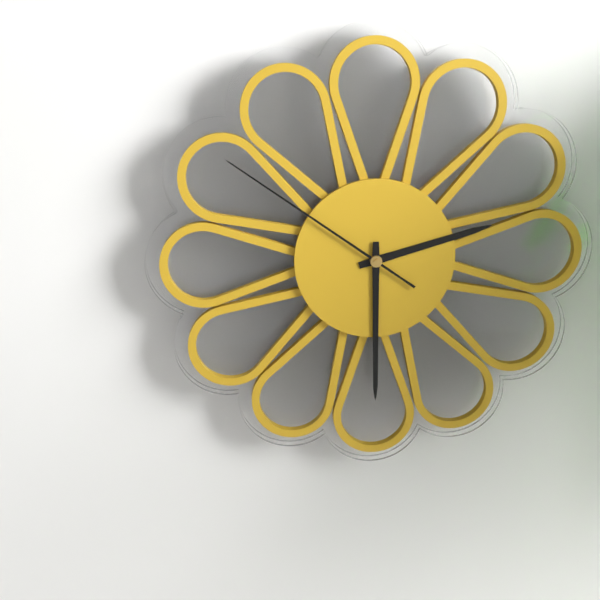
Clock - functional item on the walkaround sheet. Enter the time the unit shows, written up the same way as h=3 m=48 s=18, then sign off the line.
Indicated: h=2 m=30 s=51
